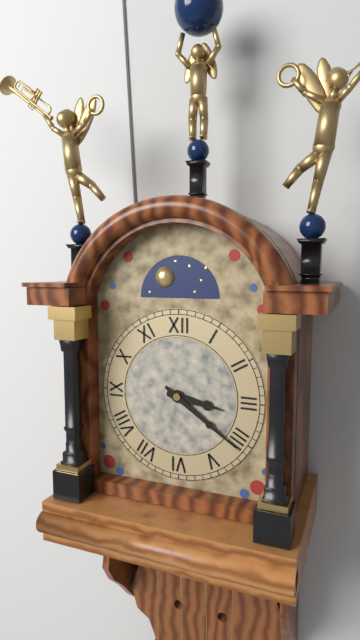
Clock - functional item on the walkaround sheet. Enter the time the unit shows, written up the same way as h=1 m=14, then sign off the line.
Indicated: h=3 m=21
